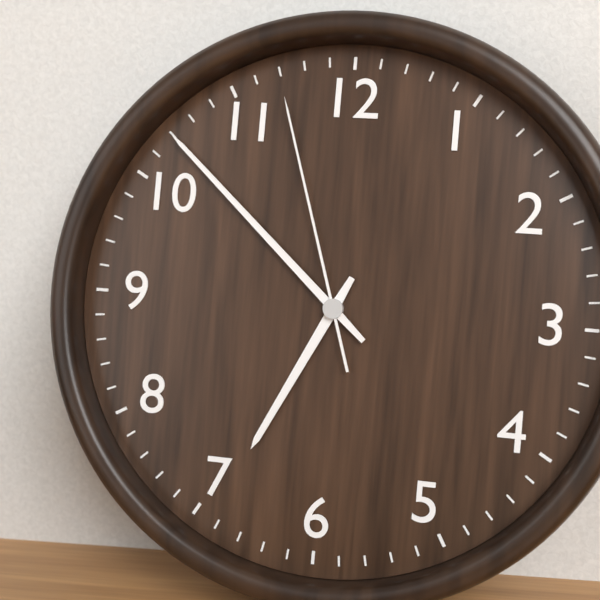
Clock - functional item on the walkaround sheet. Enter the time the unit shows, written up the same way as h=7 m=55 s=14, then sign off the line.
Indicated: h=6 m=52 s=57
